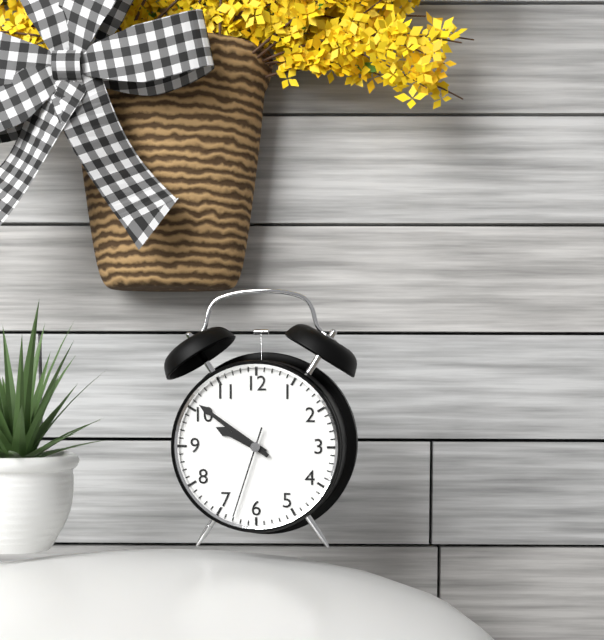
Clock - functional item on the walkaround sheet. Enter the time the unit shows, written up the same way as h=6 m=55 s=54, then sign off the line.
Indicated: h=9 m=51 s=33
